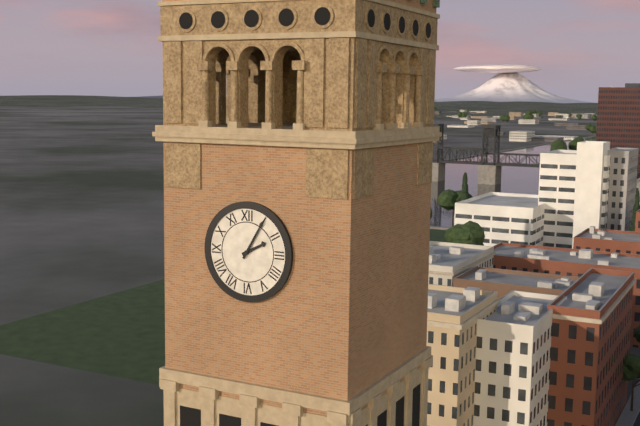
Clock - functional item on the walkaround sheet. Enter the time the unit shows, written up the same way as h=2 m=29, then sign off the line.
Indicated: h=2 m=5
